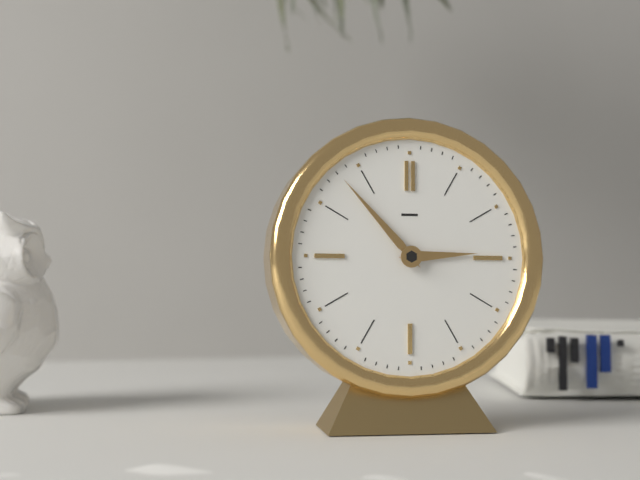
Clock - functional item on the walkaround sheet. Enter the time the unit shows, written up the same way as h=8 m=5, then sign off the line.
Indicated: h=2 m=53
